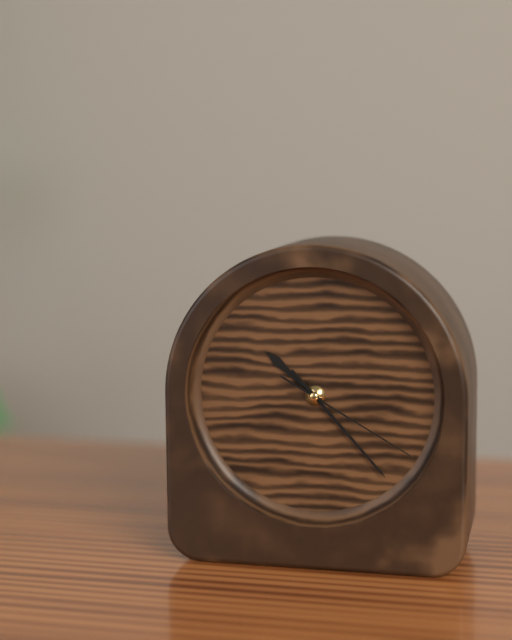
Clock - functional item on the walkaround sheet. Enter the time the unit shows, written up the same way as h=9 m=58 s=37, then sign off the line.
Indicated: h=10 m=23 s=20
